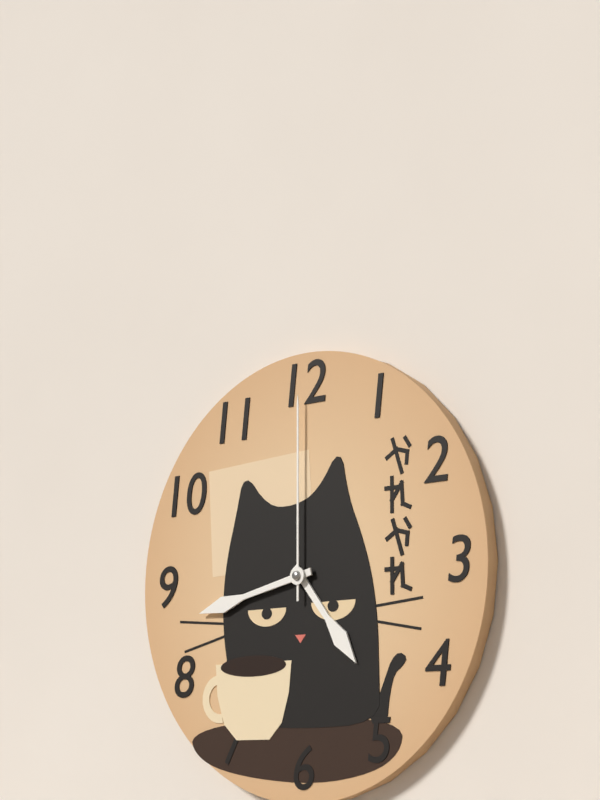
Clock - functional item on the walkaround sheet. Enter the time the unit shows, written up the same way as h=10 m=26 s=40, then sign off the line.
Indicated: h=4 m=43 s=0
